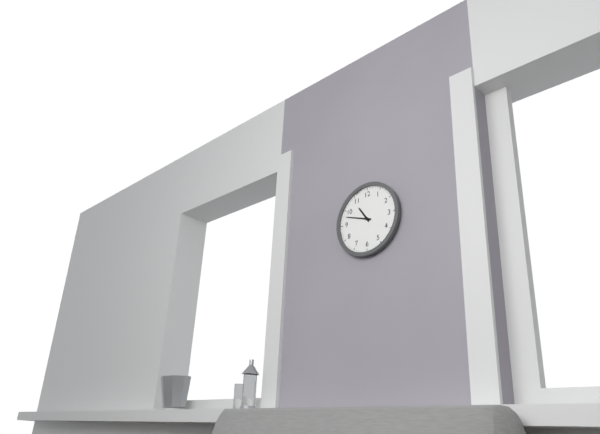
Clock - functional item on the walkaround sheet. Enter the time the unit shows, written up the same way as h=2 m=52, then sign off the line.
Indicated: h=10 m=48
